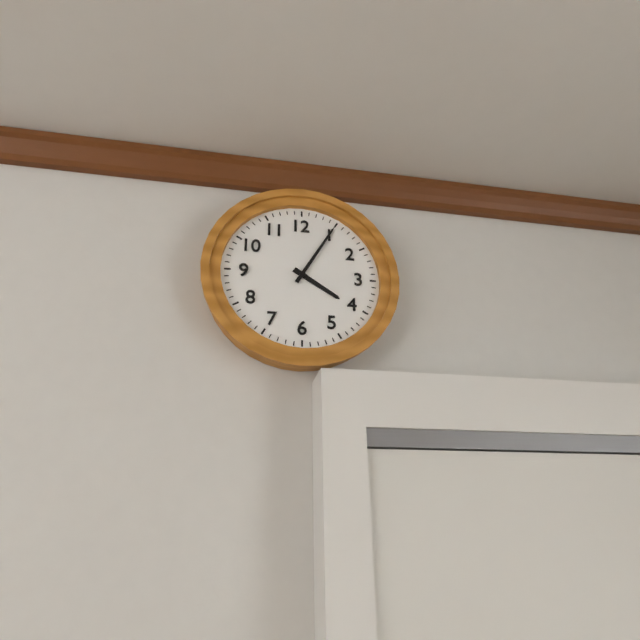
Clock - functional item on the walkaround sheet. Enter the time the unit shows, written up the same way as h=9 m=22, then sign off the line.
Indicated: h=4 m=5
